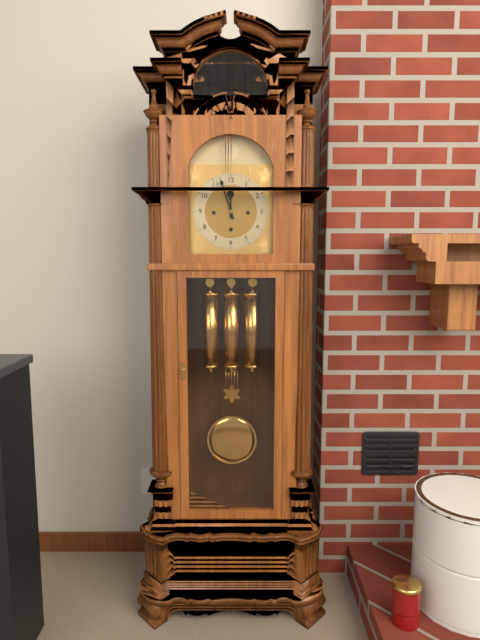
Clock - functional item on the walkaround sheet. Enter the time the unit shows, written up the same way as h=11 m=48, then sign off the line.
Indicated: h=11 m=57
